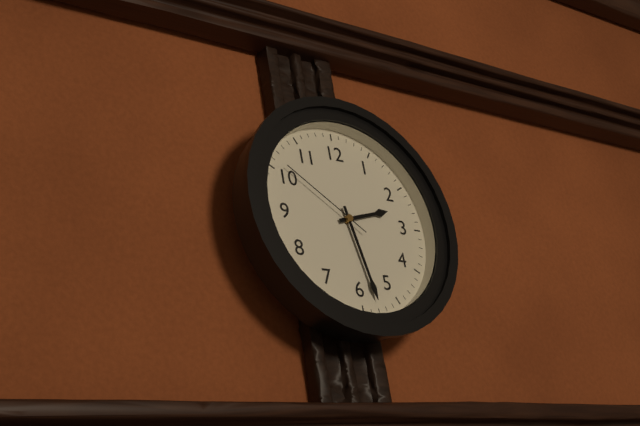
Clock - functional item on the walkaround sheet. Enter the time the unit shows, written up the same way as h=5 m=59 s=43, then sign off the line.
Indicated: h=2 m=28 s=51
